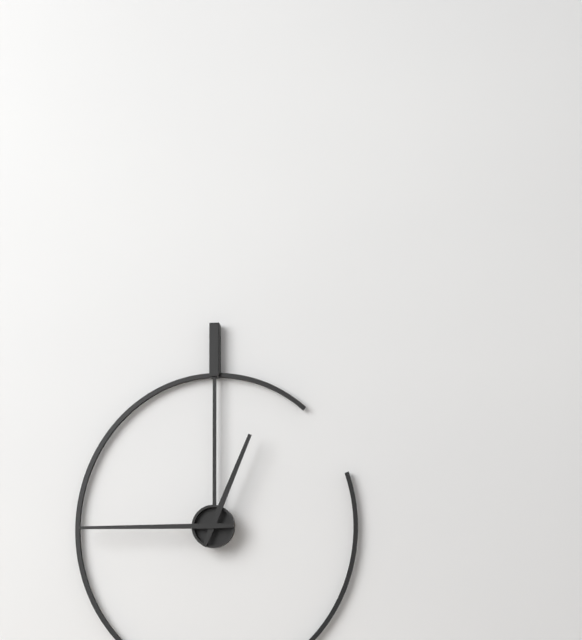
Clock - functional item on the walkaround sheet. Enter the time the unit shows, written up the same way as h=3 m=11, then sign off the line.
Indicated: h=12 m=45
